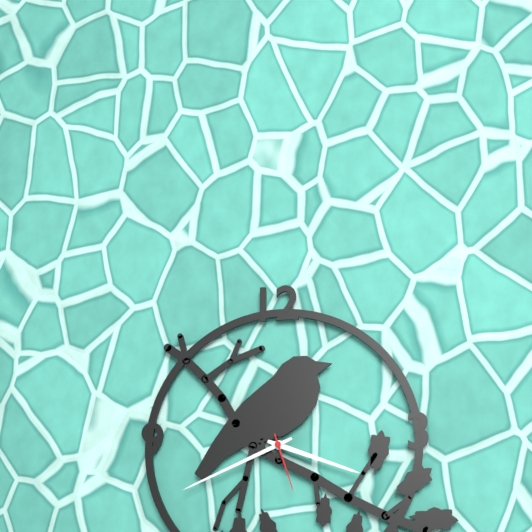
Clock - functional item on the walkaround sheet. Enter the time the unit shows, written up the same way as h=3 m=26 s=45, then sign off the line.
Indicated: h=3 m=41 s=27
